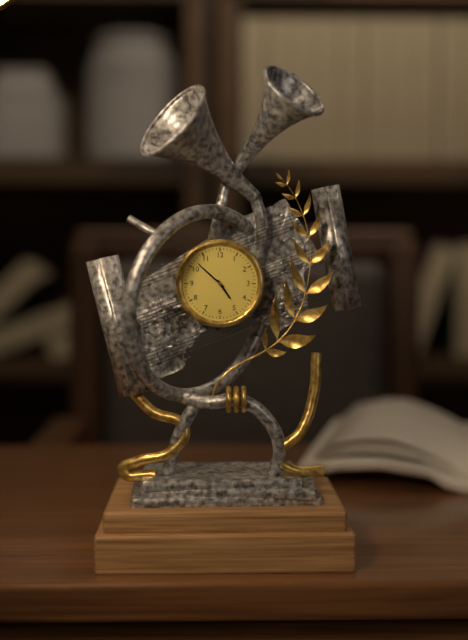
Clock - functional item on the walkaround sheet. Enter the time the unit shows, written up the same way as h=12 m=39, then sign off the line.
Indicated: h=4 m=52
